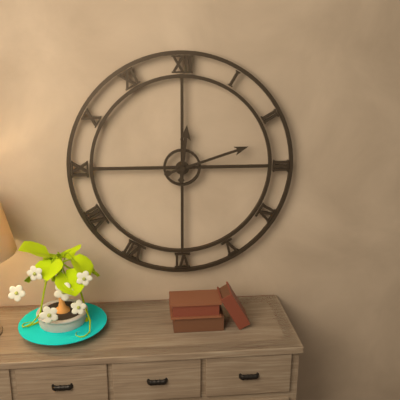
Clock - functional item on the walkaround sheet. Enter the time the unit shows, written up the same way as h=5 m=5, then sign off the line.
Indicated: h=12 m=12
